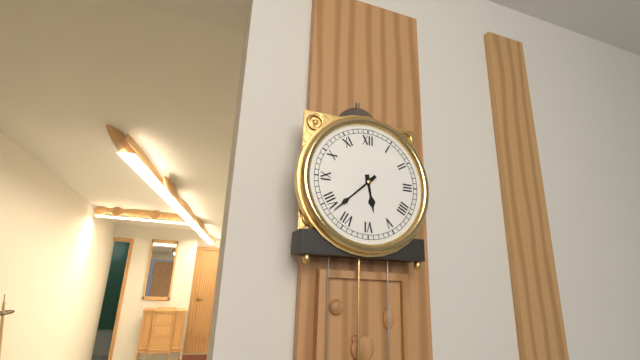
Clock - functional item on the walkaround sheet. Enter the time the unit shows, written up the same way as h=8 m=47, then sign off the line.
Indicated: h=5 m=38
